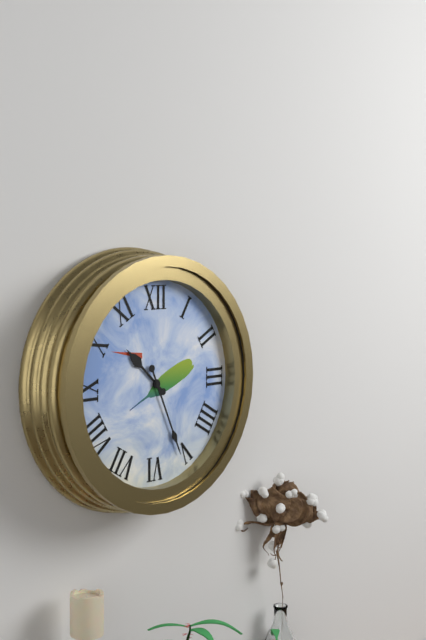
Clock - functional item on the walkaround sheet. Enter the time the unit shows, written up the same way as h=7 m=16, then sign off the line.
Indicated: h=10 m=26
